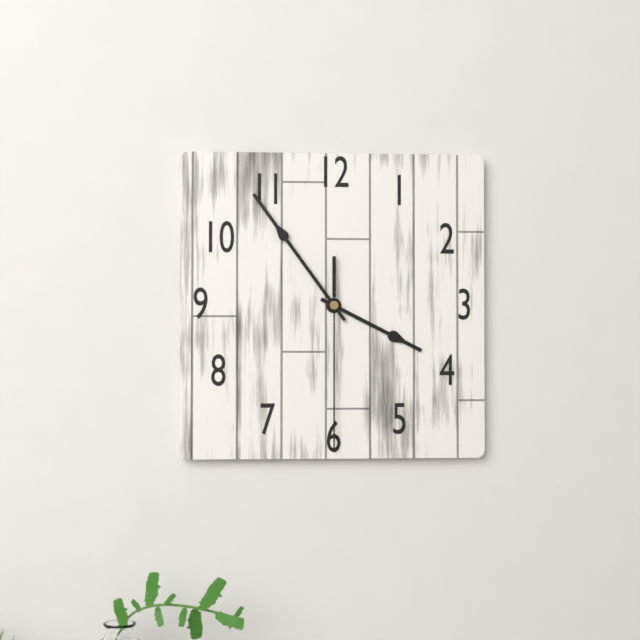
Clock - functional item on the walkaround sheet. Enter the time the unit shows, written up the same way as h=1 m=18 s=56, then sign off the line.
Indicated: h=3 m=54 s=30
